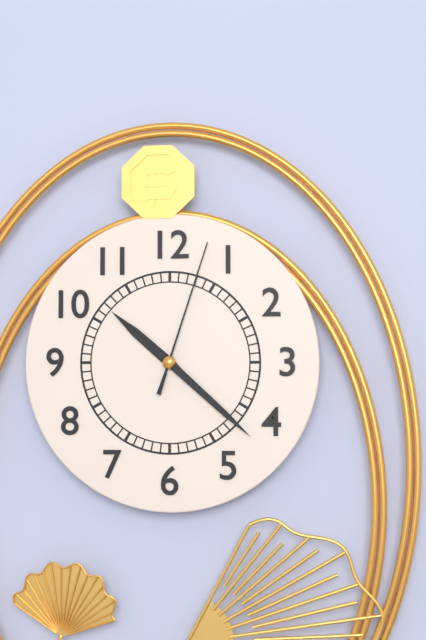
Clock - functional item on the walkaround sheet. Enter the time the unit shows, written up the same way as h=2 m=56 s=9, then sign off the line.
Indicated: h=10 m=22 s=3
